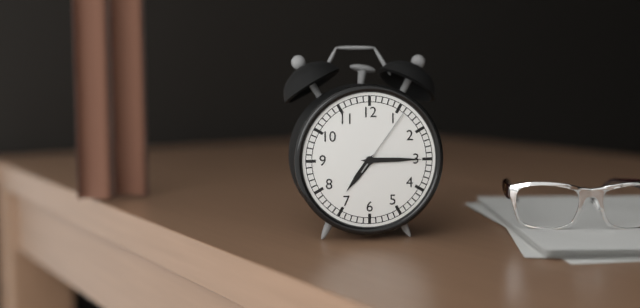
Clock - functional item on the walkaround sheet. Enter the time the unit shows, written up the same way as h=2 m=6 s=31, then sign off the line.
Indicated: h=7 m=15 s=6
